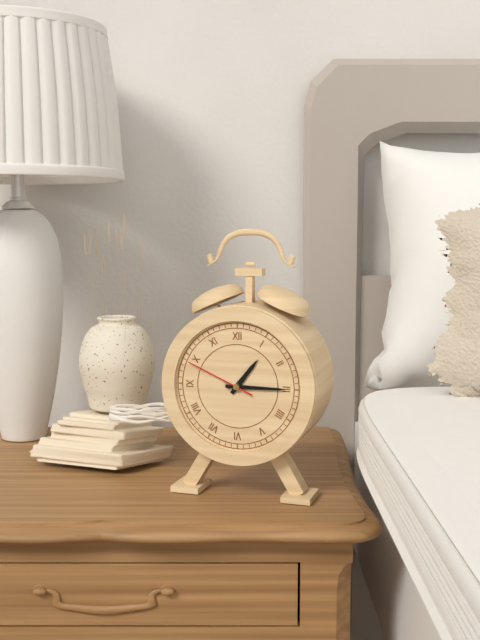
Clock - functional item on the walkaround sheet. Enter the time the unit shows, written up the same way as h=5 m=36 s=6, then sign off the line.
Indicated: h=1 m=15 s=49
